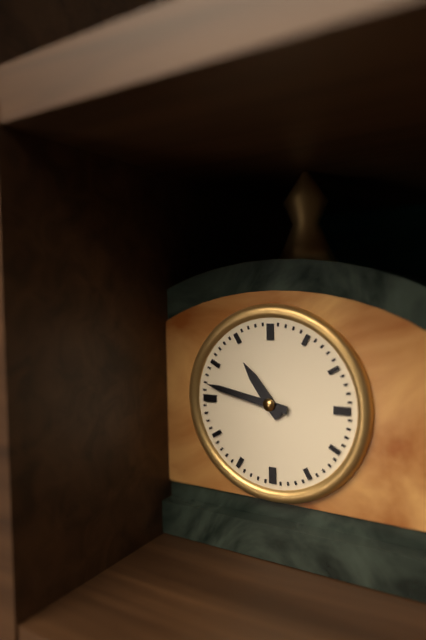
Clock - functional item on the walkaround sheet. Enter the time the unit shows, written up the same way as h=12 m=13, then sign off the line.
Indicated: h=10 m=47
